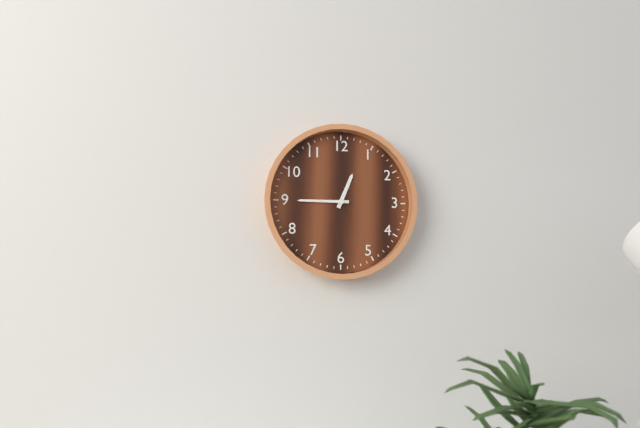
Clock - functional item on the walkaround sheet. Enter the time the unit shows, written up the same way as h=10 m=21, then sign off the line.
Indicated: h=12 m=45
